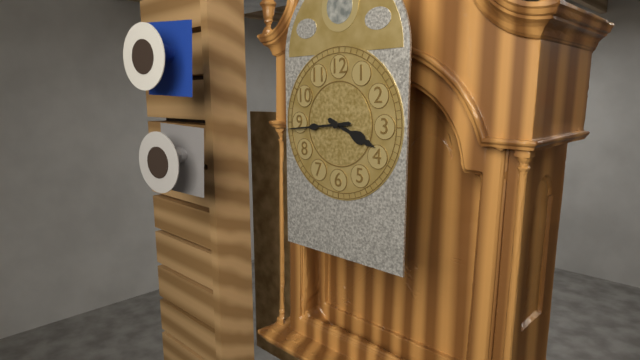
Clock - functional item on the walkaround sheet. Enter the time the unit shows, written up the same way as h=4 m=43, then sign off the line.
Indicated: h=3 m=44
